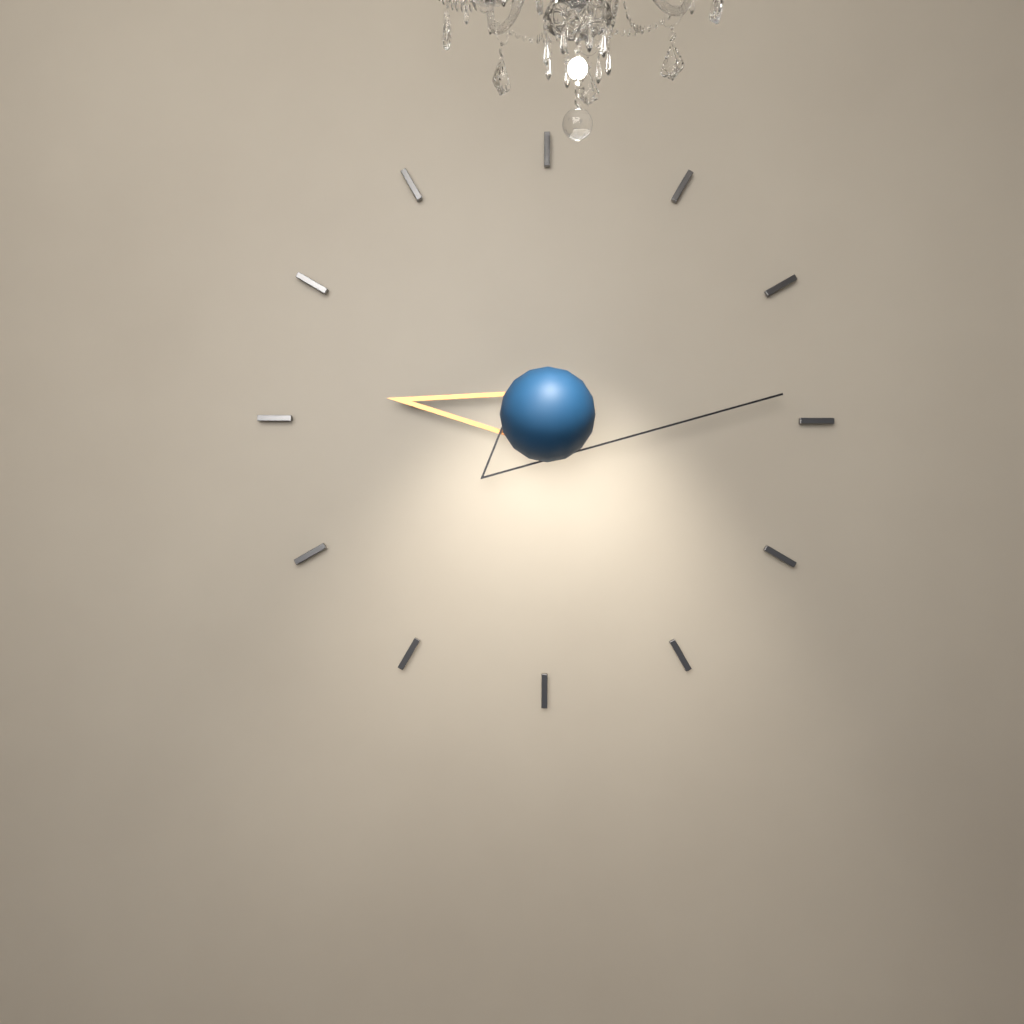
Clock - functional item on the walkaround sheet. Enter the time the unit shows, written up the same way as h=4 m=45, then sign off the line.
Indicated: h=9 m=14
